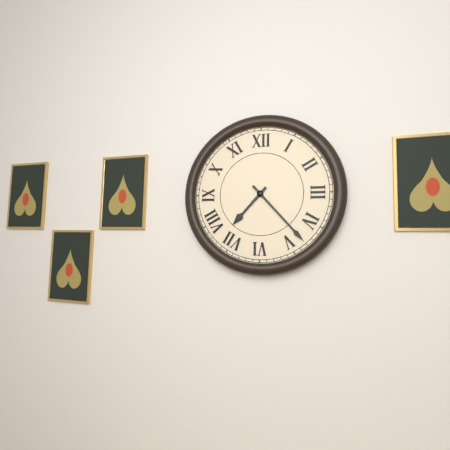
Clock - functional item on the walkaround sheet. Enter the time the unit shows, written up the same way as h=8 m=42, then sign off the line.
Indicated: h=7 m=23
